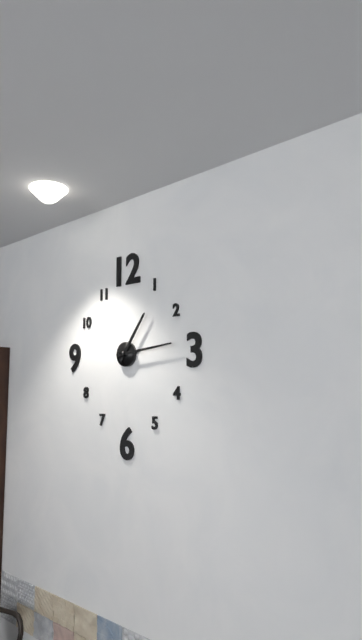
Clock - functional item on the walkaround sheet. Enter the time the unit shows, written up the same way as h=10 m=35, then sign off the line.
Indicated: h=1 m=14
